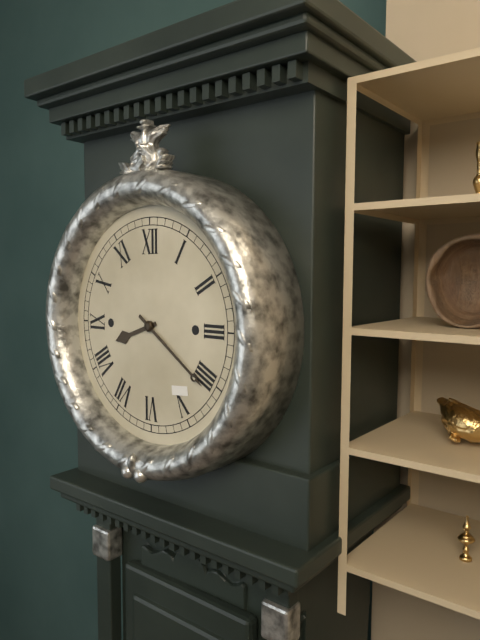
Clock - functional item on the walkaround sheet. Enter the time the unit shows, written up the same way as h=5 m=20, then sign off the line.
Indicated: h=8 m=21
